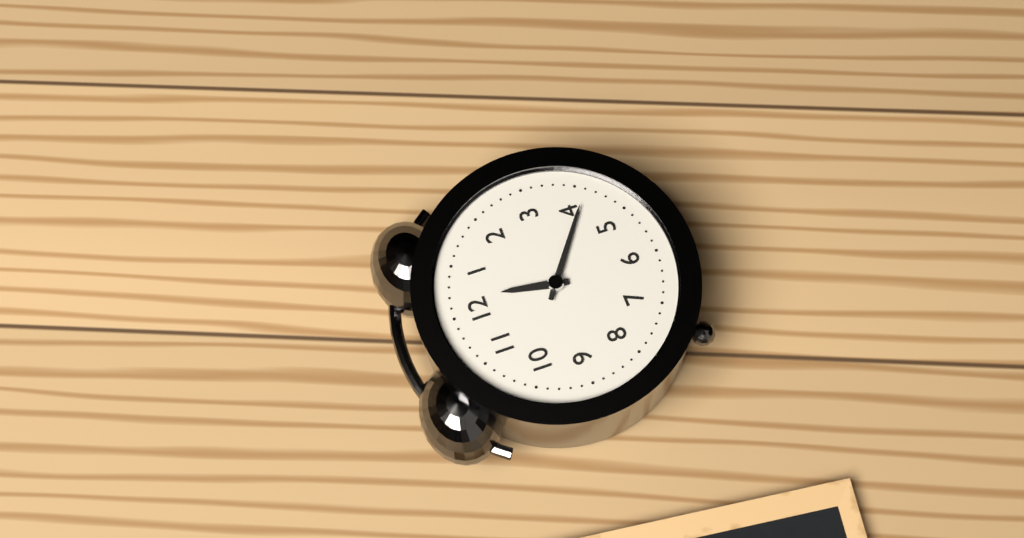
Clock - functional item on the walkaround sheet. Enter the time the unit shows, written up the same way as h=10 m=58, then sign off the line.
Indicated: h=12 m=21
